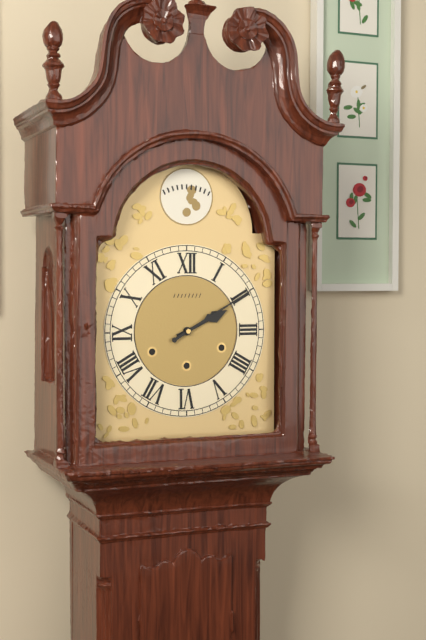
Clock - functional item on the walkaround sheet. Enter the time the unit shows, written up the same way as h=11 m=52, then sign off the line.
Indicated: h=2 m=10
